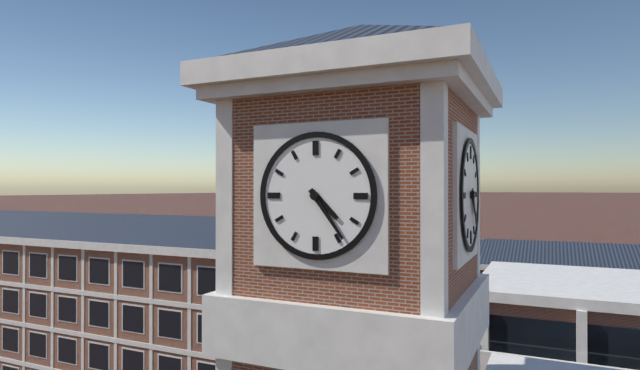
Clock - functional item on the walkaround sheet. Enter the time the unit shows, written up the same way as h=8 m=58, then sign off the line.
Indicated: h=4 m=24
